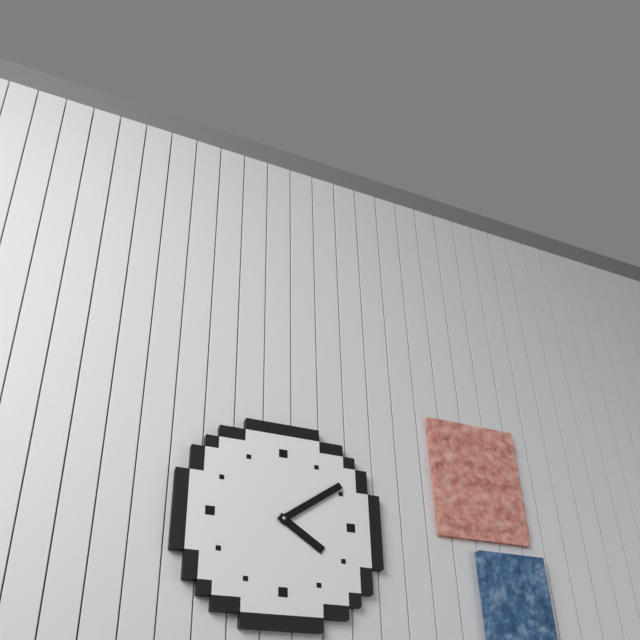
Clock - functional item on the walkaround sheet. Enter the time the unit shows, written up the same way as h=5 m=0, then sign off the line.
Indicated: h=4 m=9
